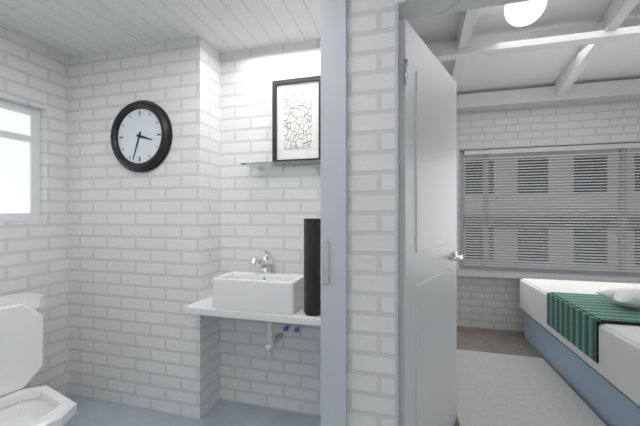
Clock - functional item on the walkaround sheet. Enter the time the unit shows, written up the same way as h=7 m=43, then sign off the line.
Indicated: h=3 m=33
